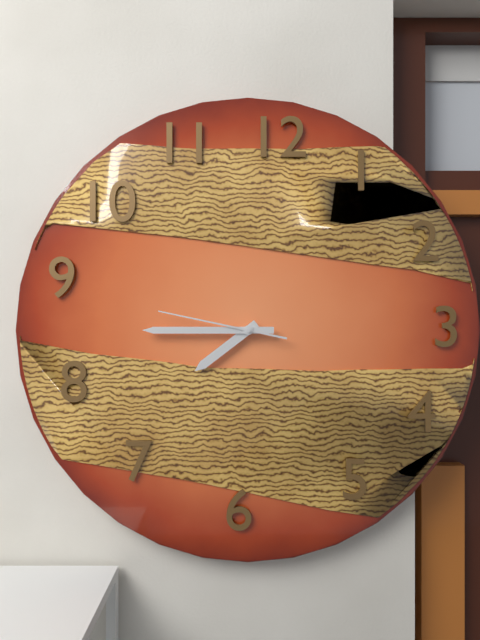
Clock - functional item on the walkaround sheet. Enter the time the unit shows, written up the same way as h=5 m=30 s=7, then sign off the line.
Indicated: h=7 m=45 s=47
